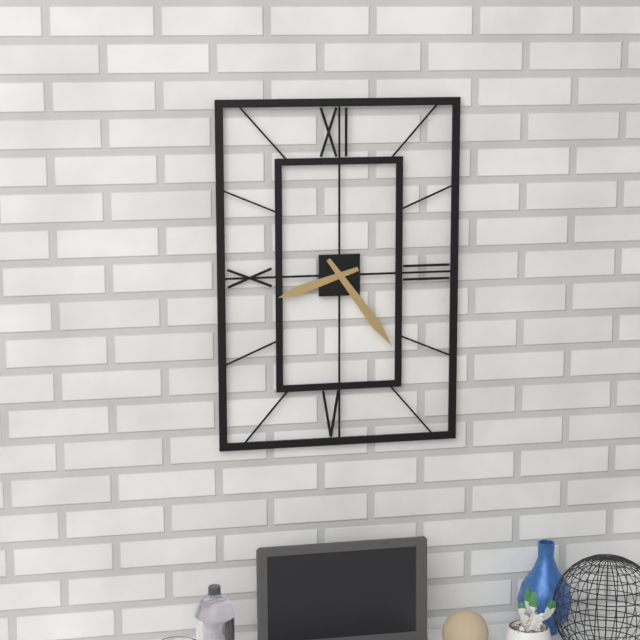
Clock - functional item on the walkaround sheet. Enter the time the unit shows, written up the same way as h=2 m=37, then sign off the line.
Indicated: h=8 m=24
